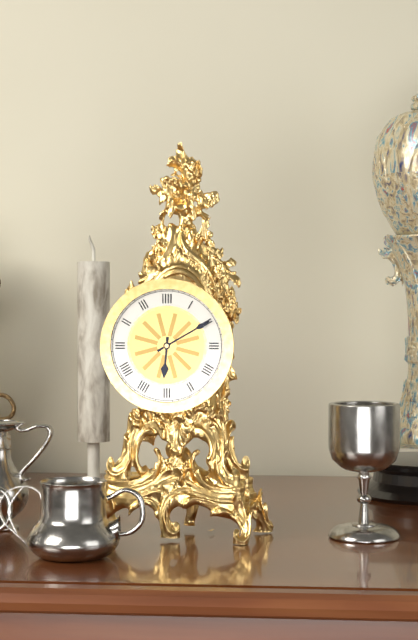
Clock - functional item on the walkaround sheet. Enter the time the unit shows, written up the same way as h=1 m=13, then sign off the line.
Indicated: h=6 m=10
